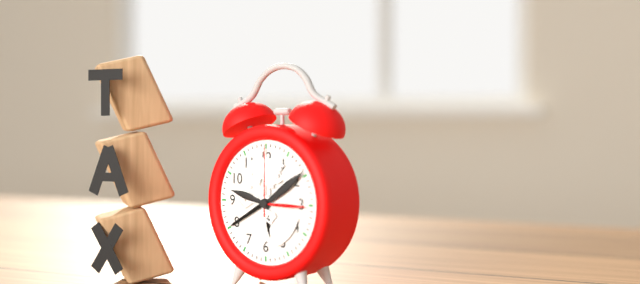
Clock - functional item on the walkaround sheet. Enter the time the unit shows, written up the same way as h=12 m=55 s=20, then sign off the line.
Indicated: h=5 m=40 s=0
